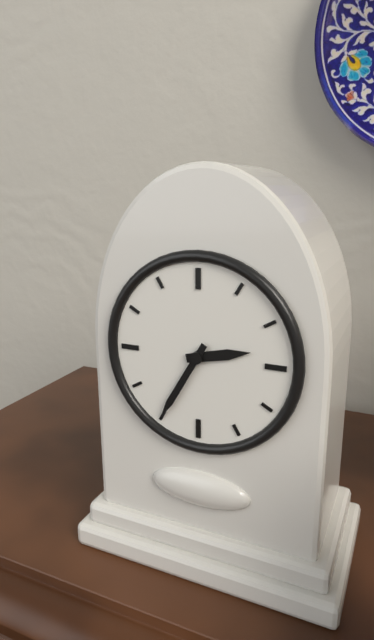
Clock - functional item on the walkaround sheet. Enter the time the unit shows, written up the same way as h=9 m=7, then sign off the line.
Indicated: h=2 m=35
